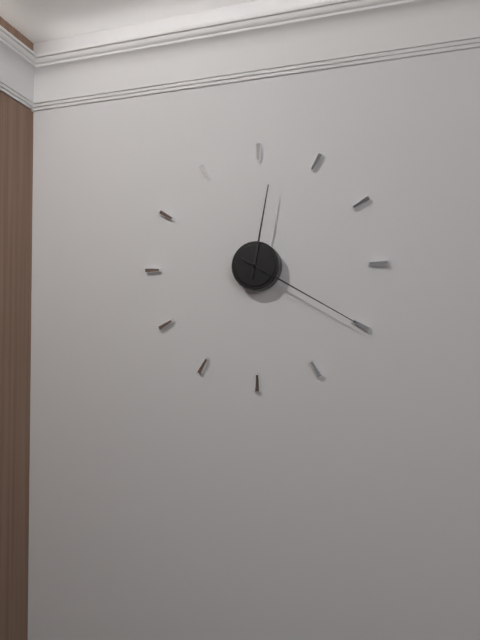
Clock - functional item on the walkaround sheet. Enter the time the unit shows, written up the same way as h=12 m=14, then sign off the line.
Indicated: h=12 m=20
